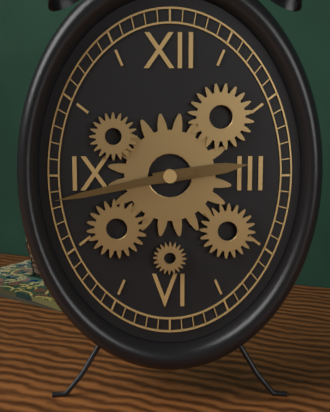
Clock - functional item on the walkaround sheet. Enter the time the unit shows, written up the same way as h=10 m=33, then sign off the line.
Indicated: h=2 m=43
